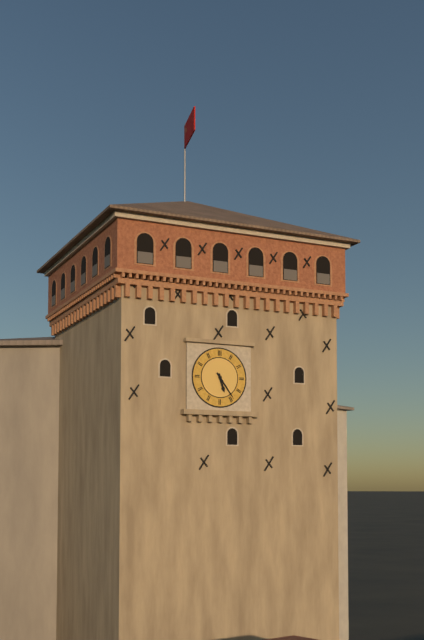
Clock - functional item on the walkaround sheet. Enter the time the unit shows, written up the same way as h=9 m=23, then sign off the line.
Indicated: h=5 m=24
